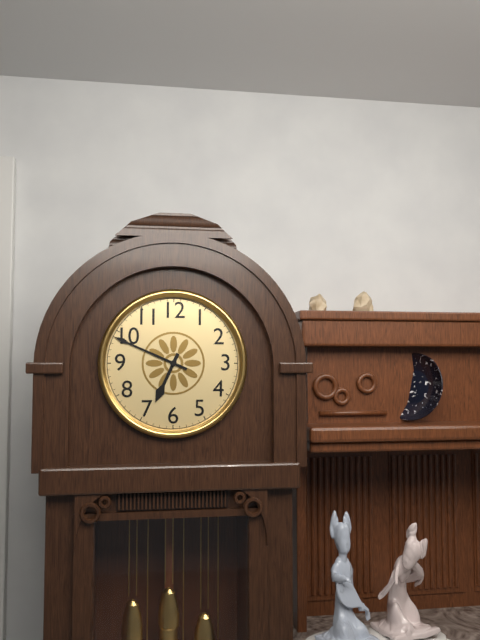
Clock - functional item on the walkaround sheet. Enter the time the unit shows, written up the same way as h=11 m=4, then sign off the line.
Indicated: h=6 m=49
